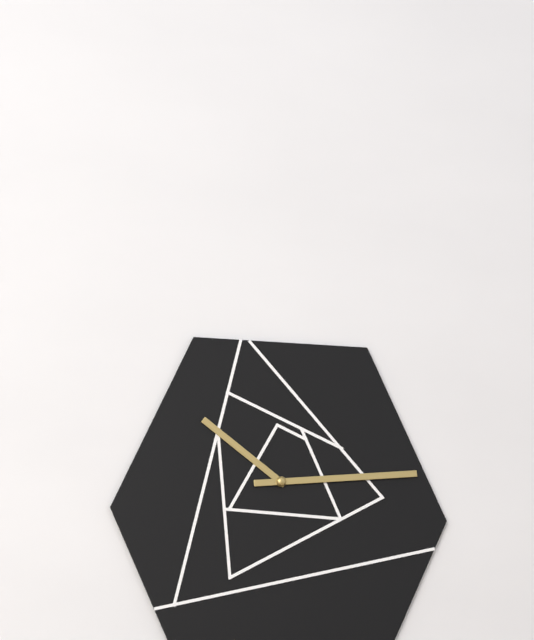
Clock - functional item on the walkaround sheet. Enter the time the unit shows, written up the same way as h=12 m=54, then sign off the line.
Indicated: h=10 m=14
